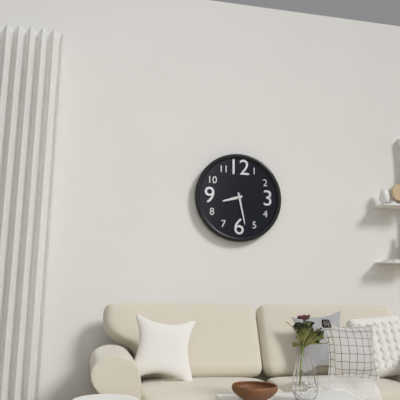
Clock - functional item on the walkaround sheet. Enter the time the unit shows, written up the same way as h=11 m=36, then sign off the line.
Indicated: h=8 m=28
